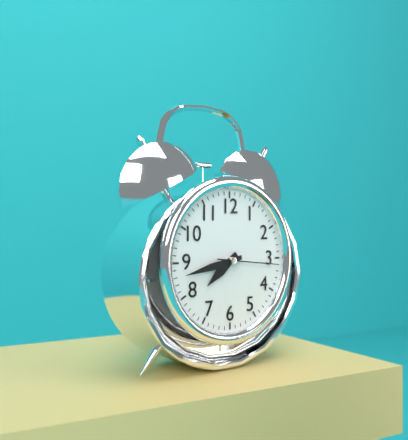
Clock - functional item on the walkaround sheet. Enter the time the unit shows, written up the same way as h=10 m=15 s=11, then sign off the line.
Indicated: h=7 m=43 s=16
